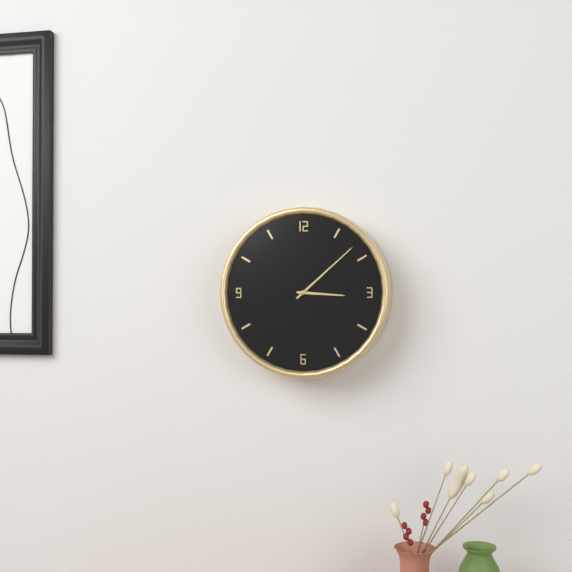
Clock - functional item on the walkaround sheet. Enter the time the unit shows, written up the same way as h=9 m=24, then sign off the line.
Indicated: h=3 m=8
